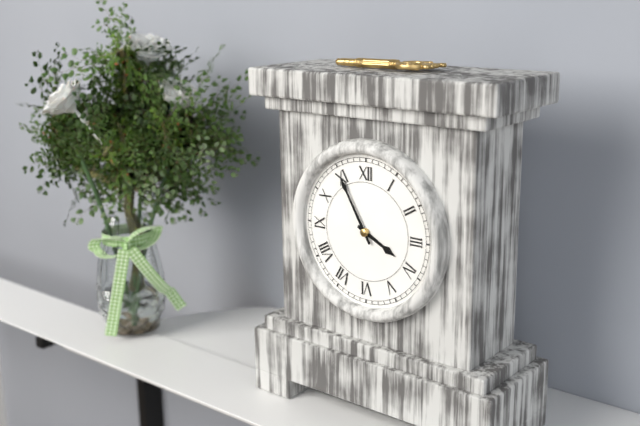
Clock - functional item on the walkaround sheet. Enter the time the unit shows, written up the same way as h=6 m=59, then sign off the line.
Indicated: h=3 m=55
